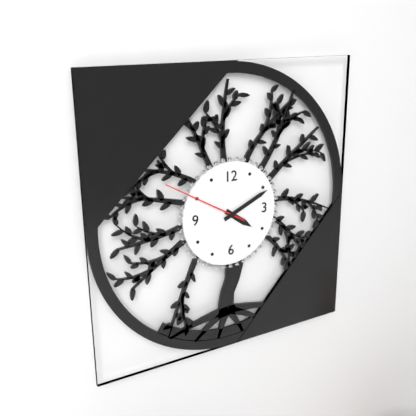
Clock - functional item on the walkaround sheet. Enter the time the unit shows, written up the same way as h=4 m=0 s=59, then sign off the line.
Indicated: h=4 m=11 s=50
